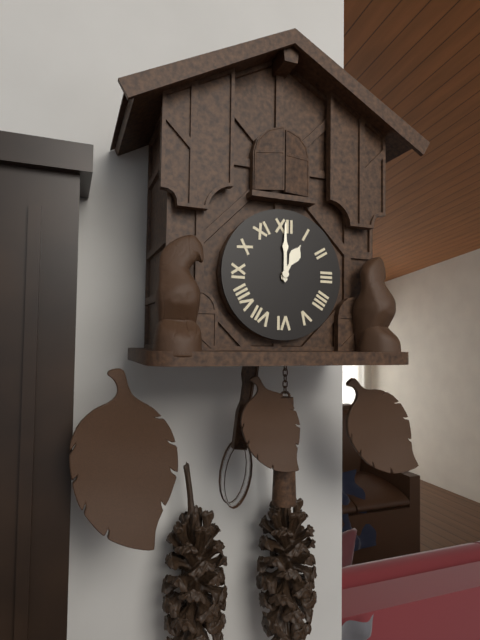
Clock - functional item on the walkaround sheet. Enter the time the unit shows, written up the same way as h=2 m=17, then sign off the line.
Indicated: h=1 m=0
